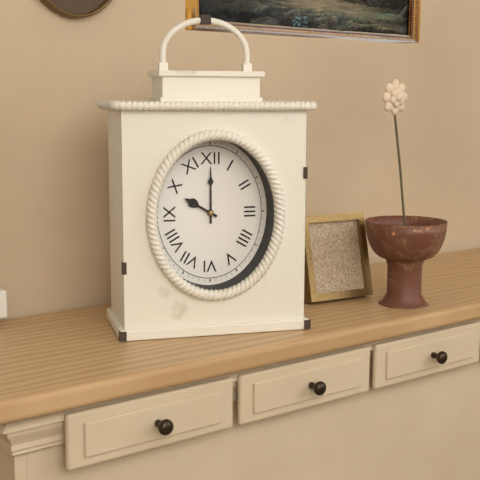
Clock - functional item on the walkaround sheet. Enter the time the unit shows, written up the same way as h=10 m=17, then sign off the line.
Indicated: h=10 m=0
